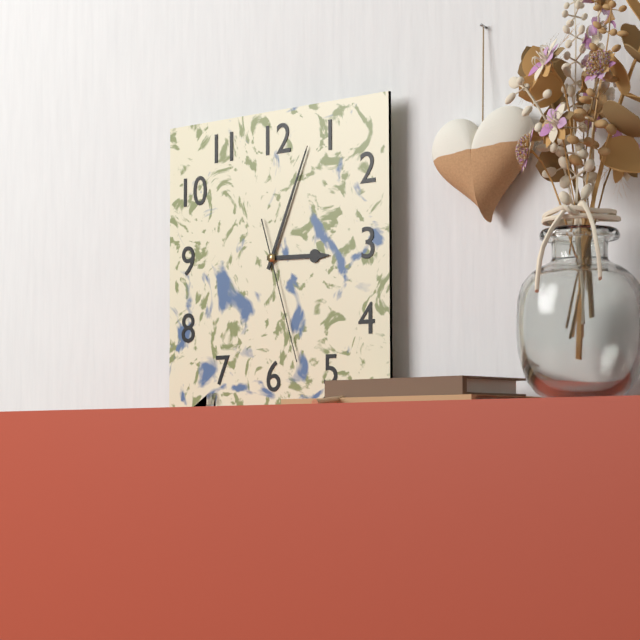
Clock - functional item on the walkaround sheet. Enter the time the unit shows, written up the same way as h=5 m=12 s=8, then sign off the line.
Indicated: h=3 m=4 s=27
